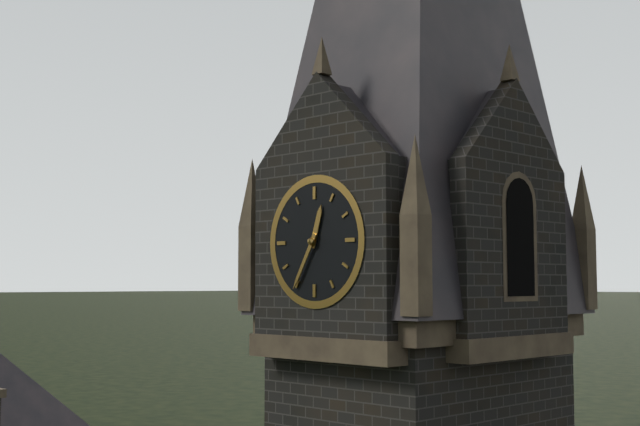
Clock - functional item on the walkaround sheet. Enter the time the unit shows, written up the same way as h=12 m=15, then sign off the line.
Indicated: h=12 m=35
